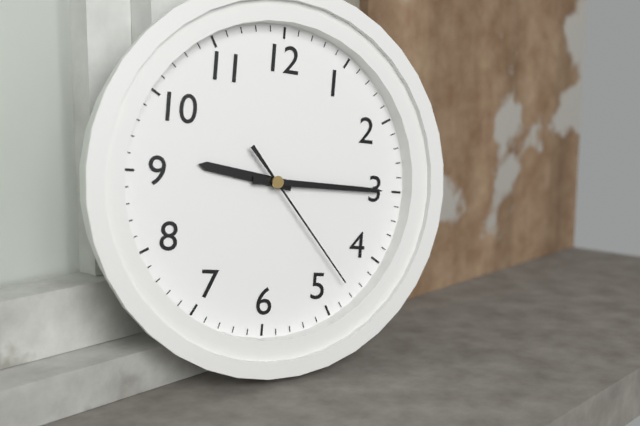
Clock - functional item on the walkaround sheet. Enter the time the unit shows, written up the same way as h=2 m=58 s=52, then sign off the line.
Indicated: h=9 m=15 s=23
